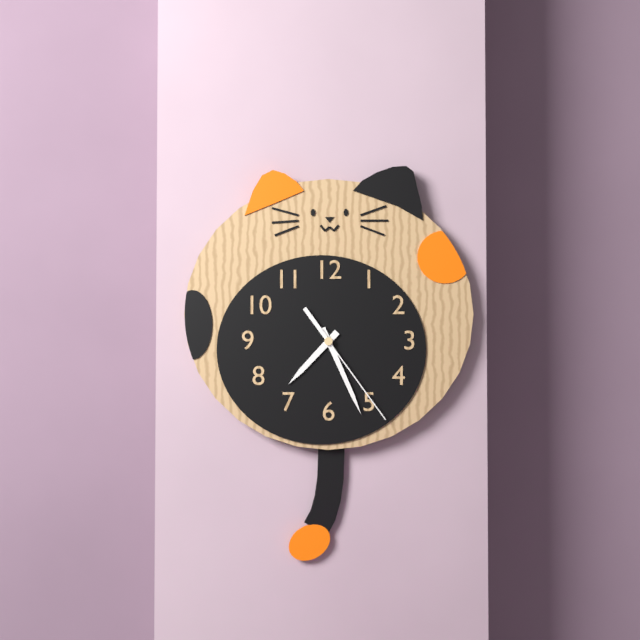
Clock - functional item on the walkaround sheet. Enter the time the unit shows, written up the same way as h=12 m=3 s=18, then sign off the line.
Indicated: h=7 m=26 s=24
